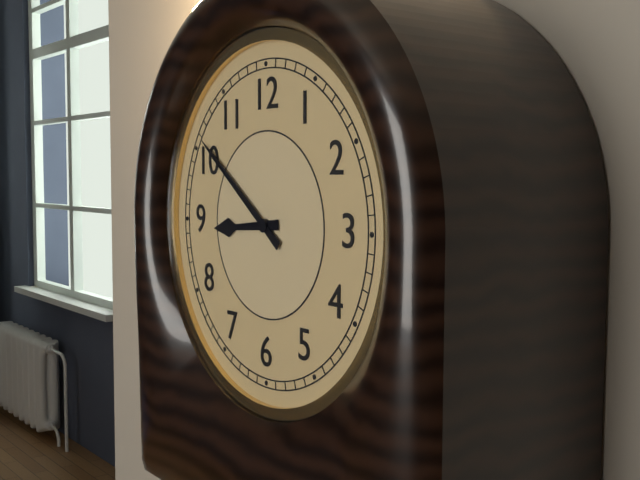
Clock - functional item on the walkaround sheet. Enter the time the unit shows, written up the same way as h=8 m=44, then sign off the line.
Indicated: h=8 m=51
